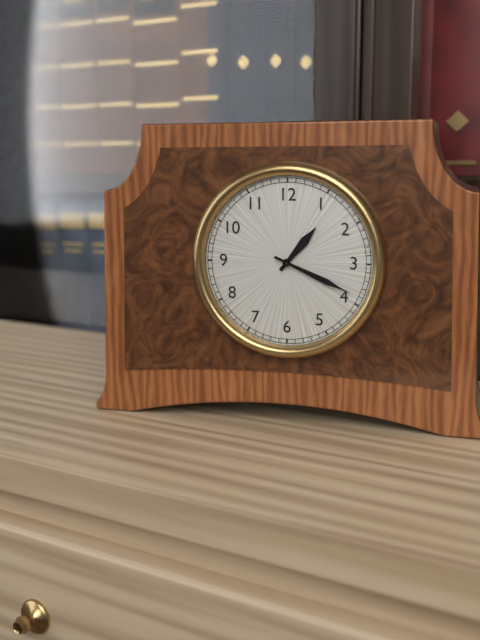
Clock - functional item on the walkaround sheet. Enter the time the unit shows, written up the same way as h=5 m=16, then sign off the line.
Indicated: h=1 m=19
